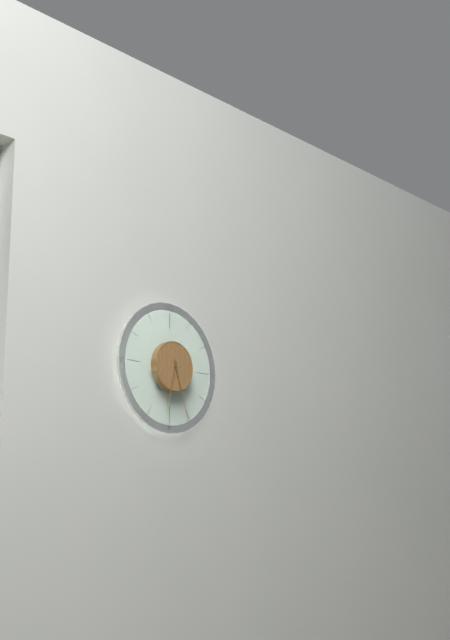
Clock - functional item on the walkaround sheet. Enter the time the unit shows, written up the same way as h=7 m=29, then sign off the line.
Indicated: h=6 m=27
